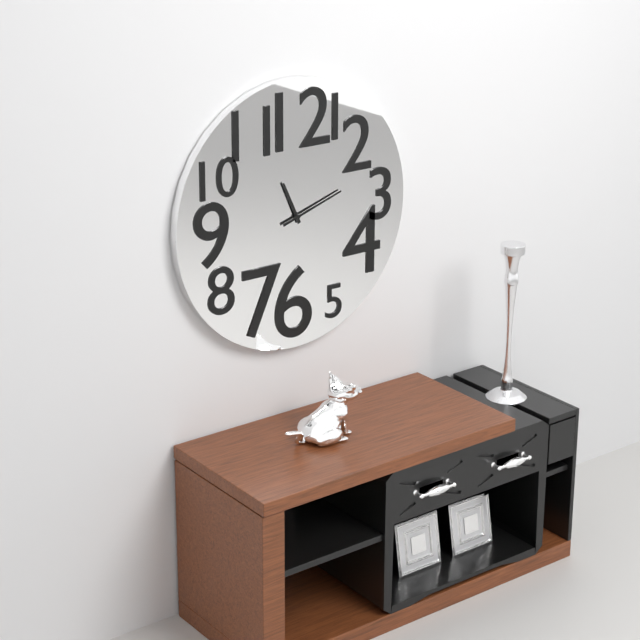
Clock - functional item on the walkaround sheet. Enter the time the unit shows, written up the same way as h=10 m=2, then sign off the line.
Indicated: h=11 m=12
